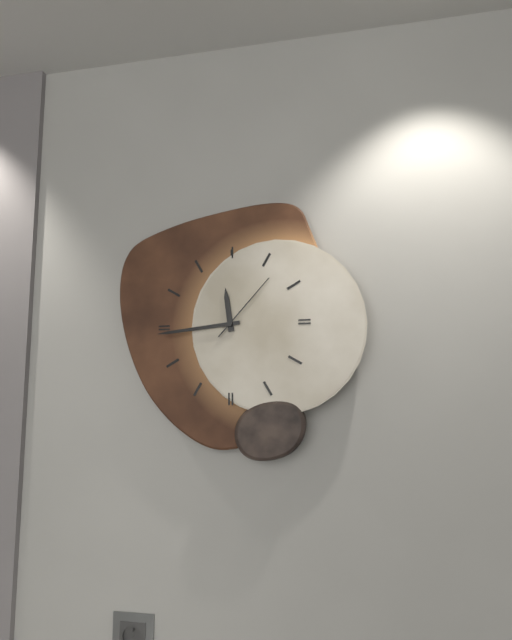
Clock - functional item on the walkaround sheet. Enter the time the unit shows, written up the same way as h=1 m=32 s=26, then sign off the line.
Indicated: h=11 m=44 s=7
